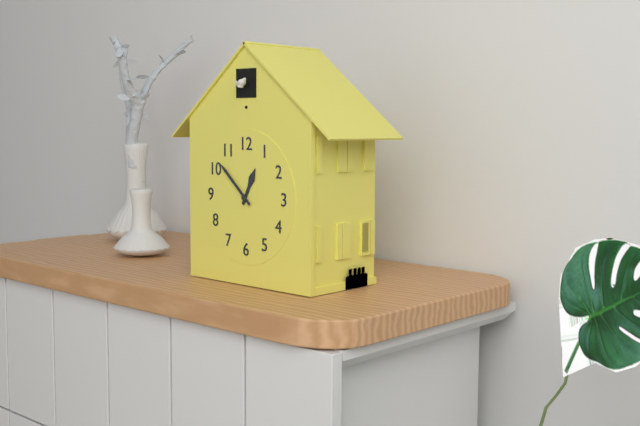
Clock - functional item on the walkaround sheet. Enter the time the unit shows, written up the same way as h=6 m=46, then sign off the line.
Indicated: h=12 m=52
